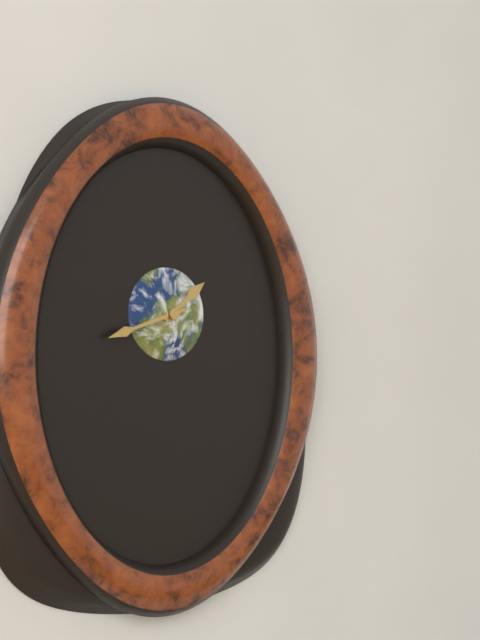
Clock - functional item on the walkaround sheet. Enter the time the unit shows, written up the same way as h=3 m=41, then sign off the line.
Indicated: h=1 m=42
